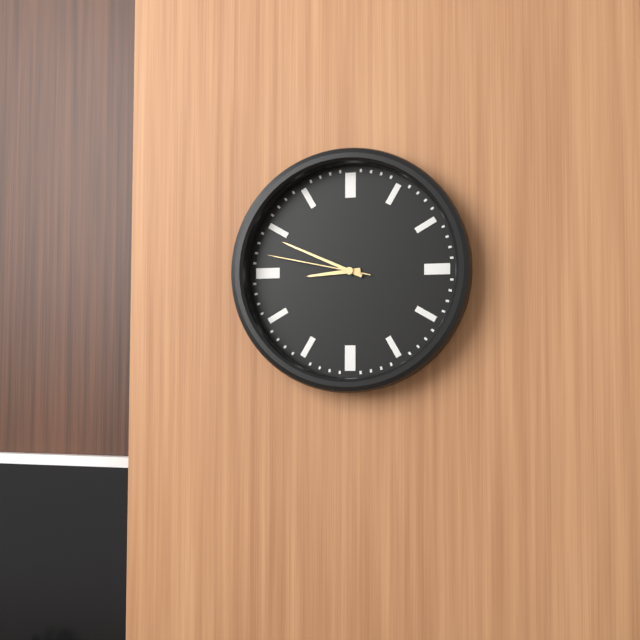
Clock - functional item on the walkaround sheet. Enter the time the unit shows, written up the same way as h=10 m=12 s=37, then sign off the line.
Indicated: h=8 m=49 s=47
